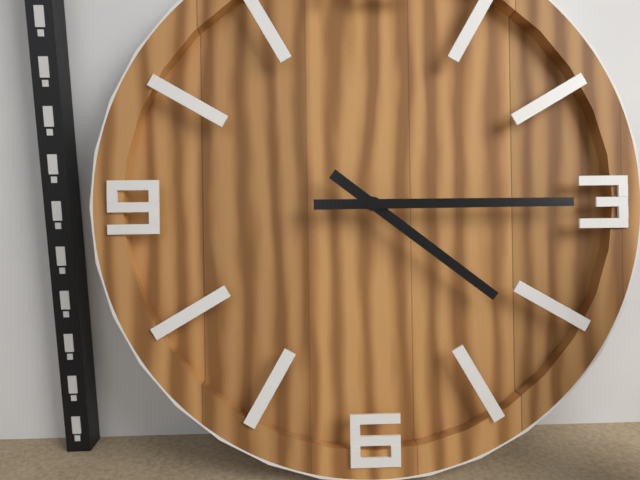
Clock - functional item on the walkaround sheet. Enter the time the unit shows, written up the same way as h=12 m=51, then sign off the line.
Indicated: h=4 m=15
